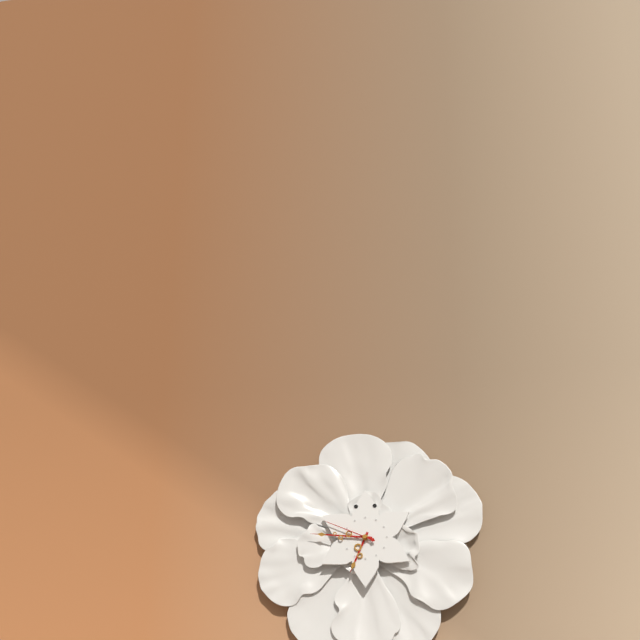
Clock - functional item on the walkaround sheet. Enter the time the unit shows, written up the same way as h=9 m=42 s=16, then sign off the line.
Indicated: h=6 m=46 s=49
